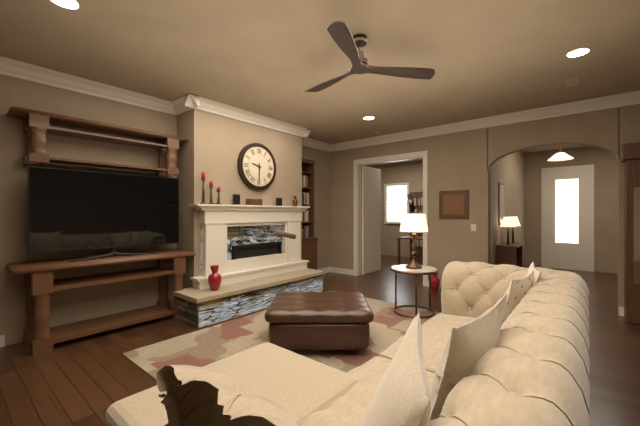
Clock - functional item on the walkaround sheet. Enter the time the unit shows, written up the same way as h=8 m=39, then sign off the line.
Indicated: h=9 m=30
